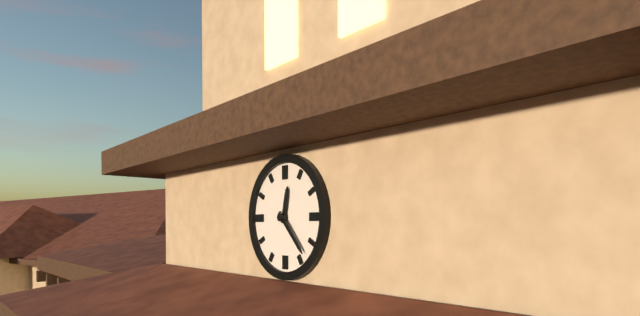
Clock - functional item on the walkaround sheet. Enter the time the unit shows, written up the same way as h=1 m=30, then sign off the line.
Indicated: h=12 m=23
